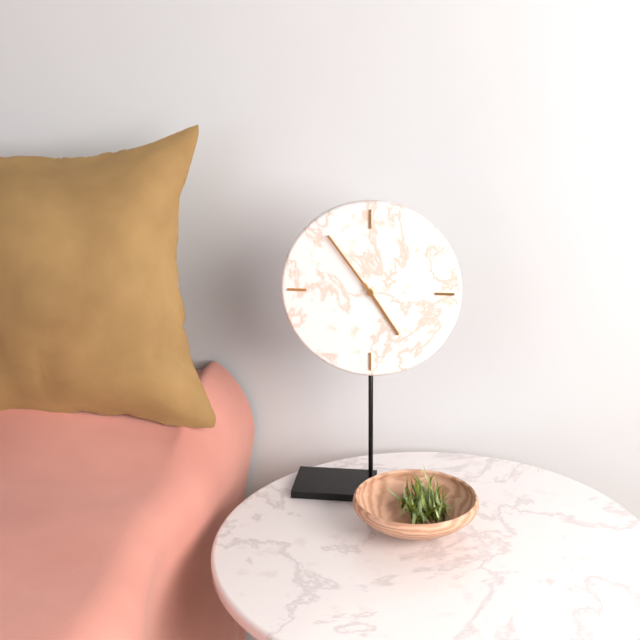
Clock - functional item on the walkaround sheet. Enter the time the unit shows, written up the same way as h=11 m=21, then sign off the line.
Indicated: h=4 m=54
